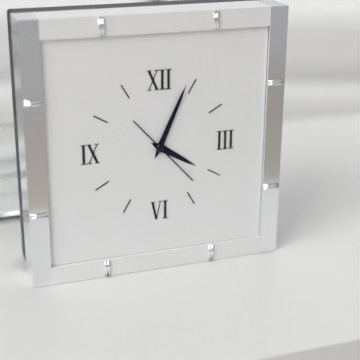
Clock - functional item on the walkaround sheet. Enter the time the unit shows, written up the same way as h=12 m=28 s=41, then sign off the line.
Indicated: h=4 m=4 s=23
